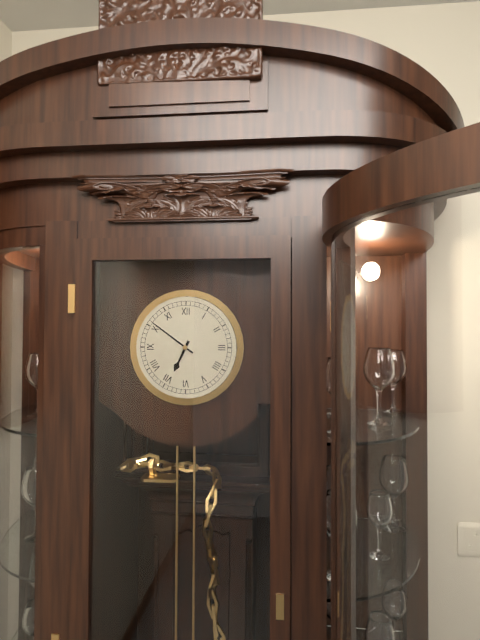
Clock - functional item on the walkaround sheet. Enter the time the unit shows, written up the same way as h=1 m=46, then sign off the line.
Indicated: h=6 m=51
